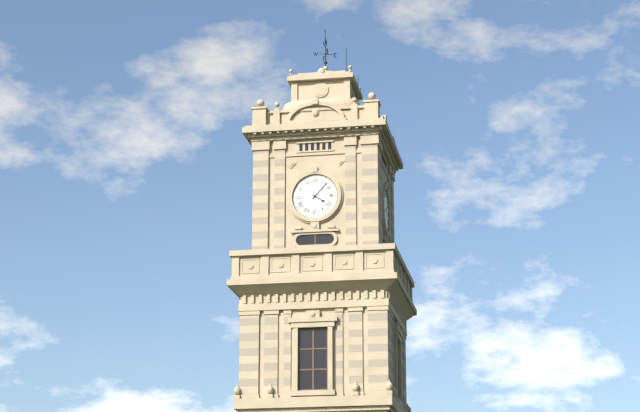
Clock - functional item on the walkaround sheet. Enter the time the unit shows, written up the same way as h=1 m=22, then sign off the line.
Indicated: h=4 m=7
